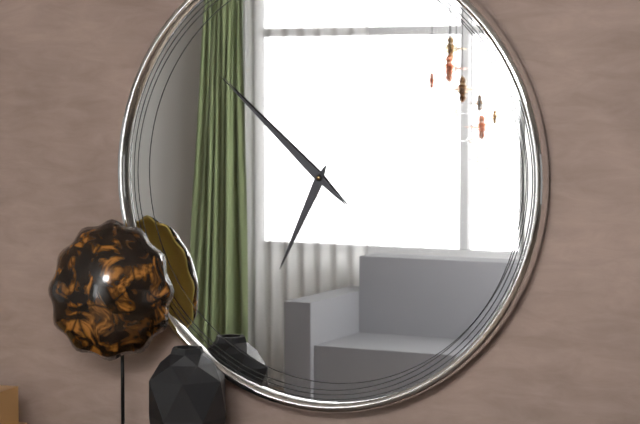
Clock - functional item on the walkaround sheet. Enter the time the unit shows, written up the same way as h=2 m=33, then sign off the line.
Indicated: h=6 m=52
